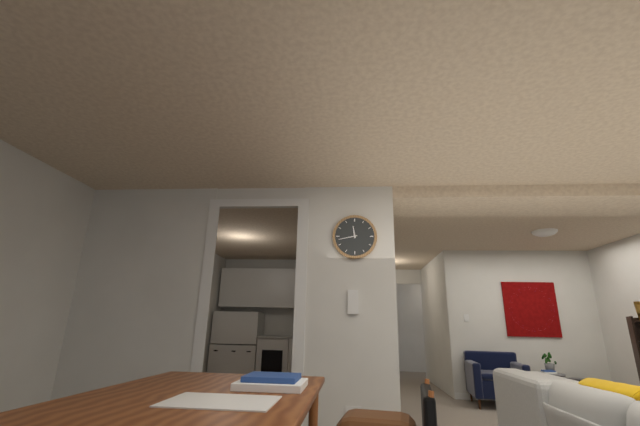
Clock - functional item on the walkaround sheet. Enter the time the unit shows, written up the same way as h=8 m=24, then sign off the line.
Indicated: h=11 m=43
